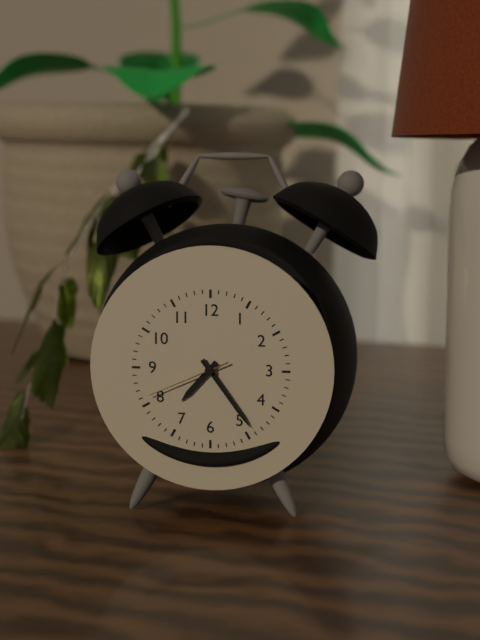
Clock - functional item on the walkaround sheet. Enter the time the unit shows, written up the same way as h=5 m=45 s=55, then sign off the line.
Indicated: h=7 m=24 s=41
